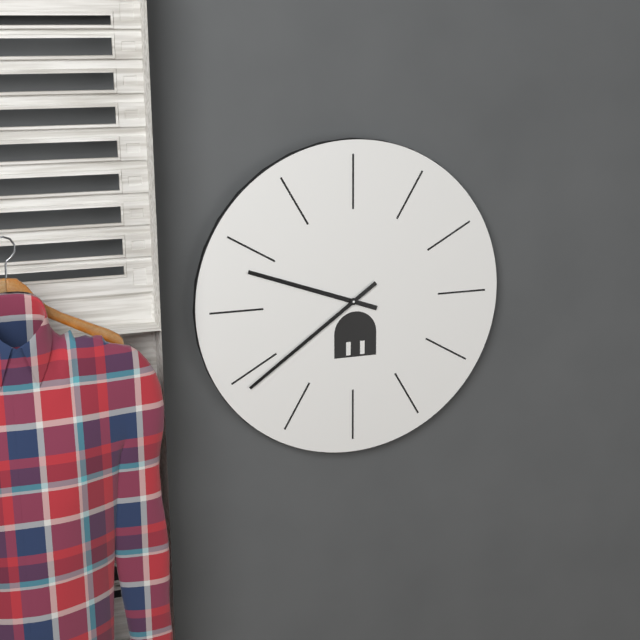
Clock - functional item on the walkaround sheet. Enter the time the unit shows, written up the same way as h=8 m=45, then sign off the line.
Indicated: h=9 m=39
